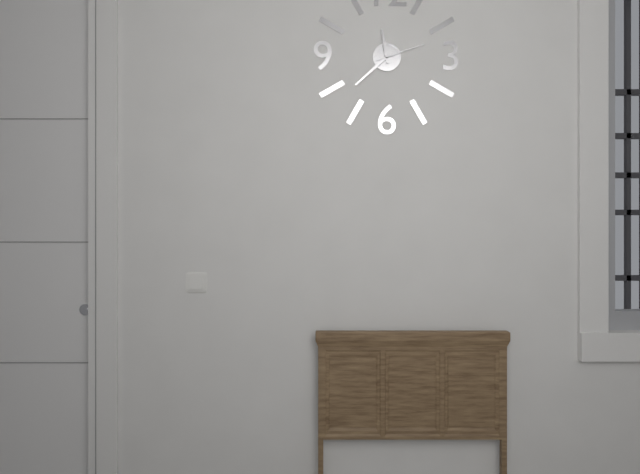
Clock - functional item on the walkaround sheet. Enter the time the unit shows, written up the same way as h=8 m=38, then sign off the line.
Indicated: h=11 m=38
